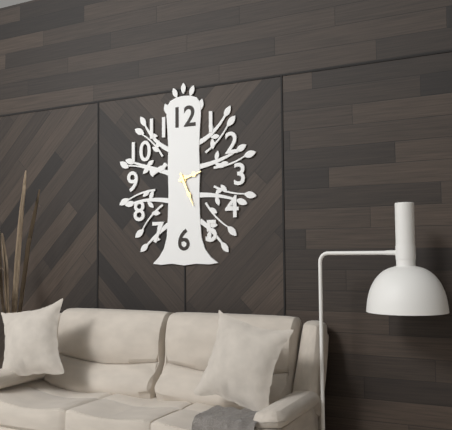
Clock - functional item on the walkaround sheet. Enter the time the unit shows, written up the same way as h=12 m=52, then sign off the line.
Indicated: h=2 m=26
